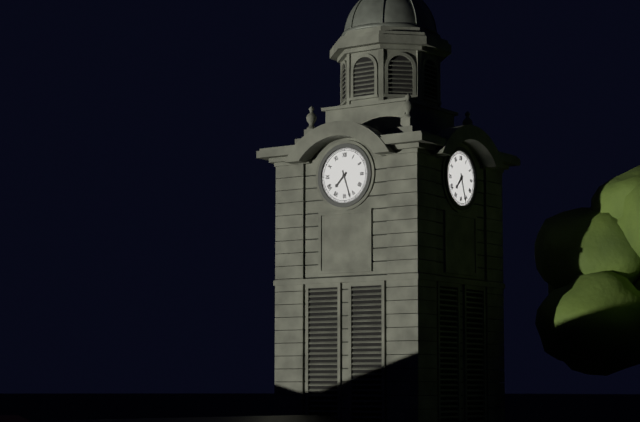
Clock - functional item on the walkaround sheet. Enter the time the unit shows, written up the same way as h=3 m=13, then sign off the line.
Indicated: h=7 m=27
